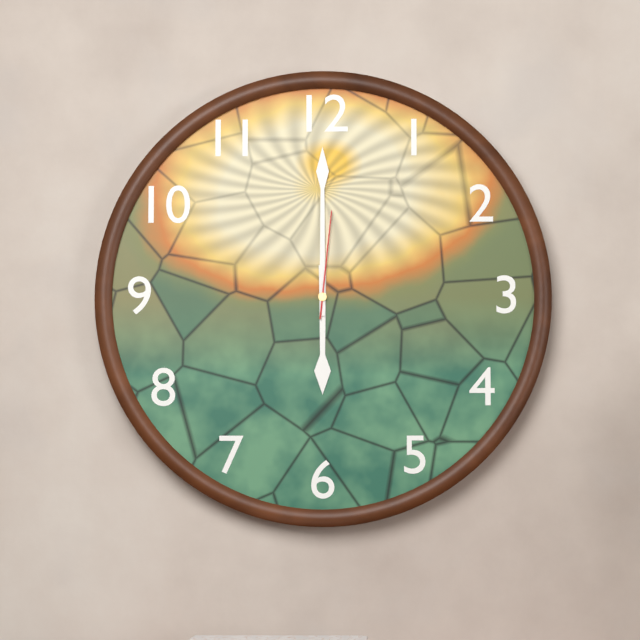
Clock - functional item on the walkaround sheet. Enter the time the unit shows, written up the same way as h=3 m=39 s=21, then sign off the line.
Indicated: h=6 m=0 s=1
